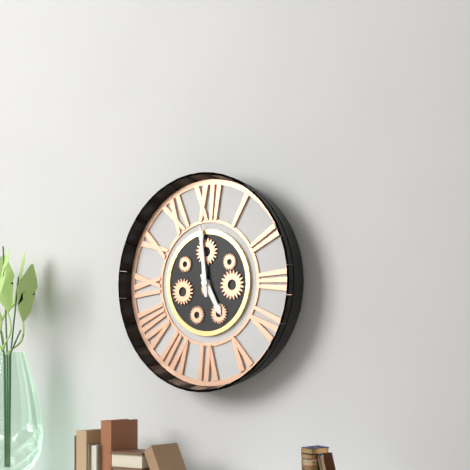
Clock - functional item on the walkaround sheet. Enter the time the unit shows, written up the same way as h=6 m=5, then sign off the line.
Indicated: h=4 m=59
